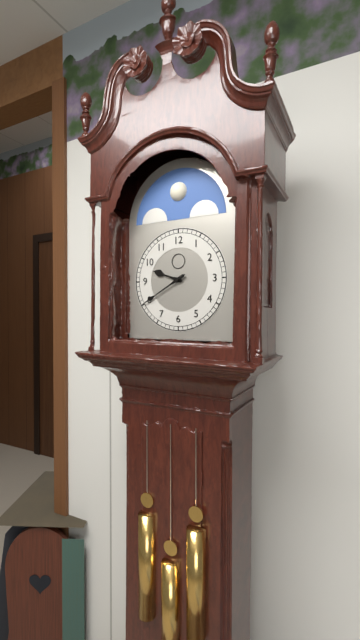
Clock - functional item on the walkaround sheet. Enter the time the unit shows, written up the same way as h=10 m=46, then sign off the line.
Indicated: h=9 m=40
